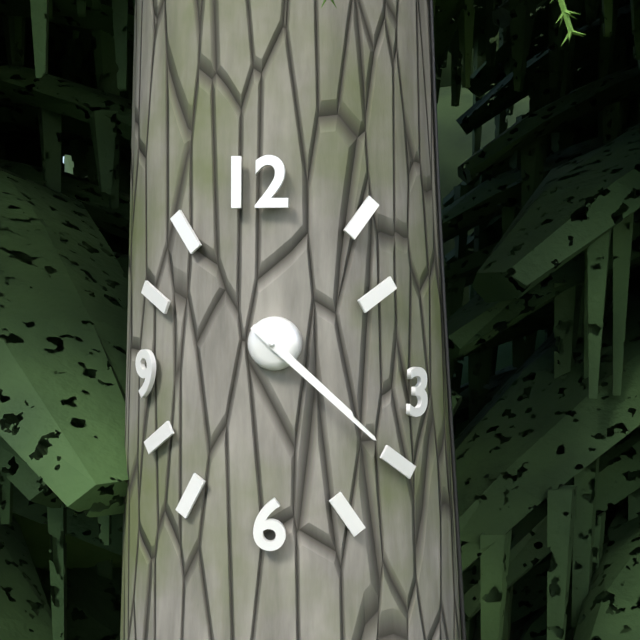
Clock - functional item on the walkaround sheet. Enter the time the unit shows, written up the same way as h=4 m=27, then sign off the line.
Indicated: h=4 m=22
